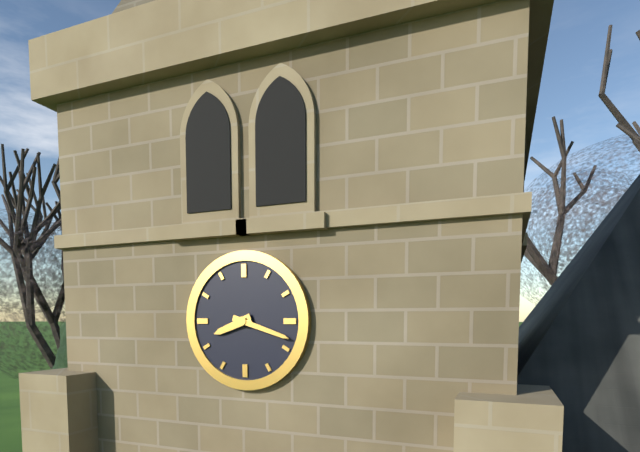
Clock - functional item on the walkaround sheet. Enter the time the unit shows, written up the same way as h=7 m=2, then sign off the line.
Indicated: h=8 m=18
